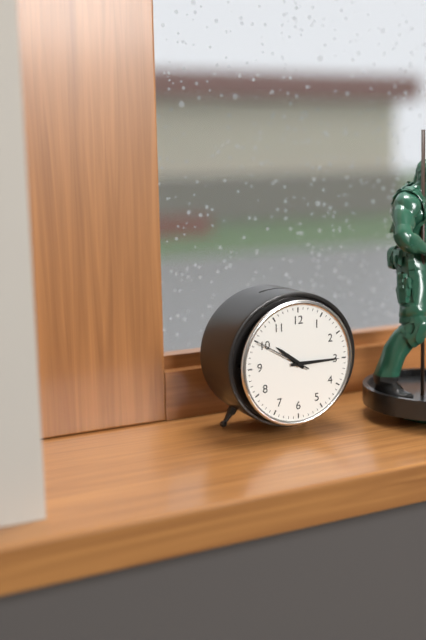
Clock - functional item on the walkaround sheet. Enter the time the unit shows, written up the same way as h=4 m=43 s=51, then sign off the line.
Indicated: h=10 m=15 s=50
